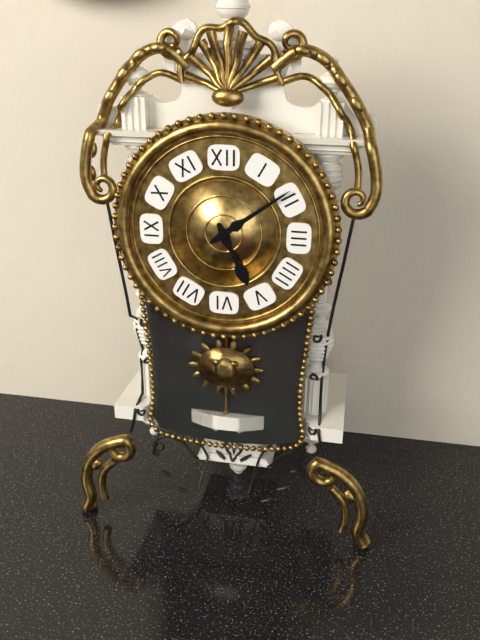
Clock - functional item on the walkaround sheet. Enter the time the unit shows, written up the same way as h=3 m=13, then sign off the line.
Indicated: h=5 m=9
